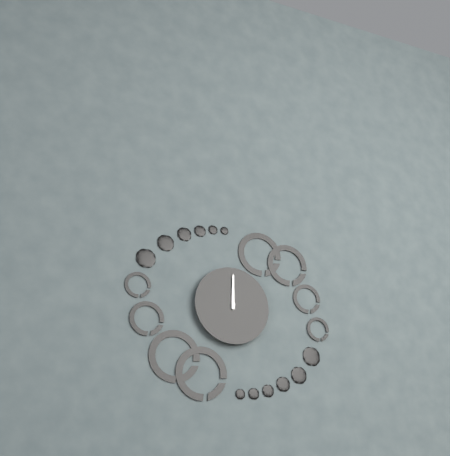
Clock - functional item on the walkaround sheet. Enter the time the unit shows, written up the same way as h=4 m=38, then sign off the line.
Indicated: h=12 m=0
